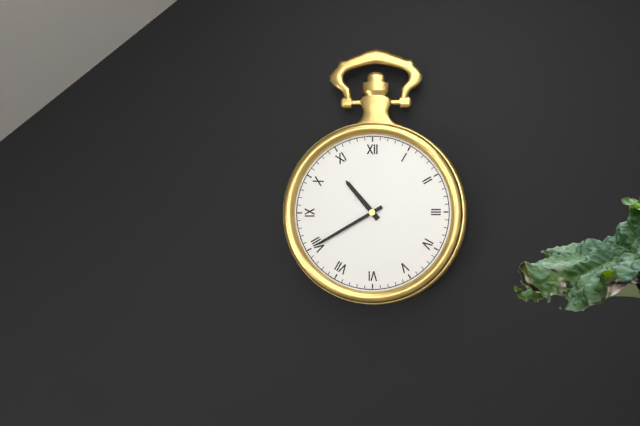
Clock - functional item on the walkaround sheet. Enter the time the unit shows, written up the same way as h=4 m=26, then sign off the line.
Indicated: h=10 m=40
